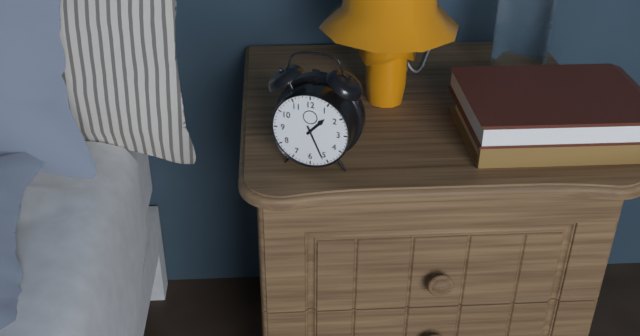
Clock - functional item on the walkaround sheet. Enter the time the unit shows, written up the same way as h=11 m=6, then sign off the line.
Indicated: h=1 m=26
